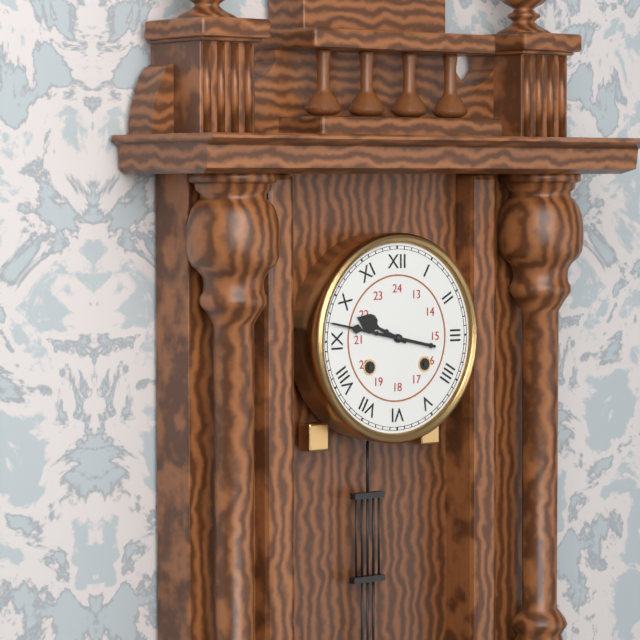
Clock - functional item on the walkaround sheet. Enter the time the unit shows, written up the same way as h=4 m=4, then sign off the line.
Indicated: h=9 m=47
